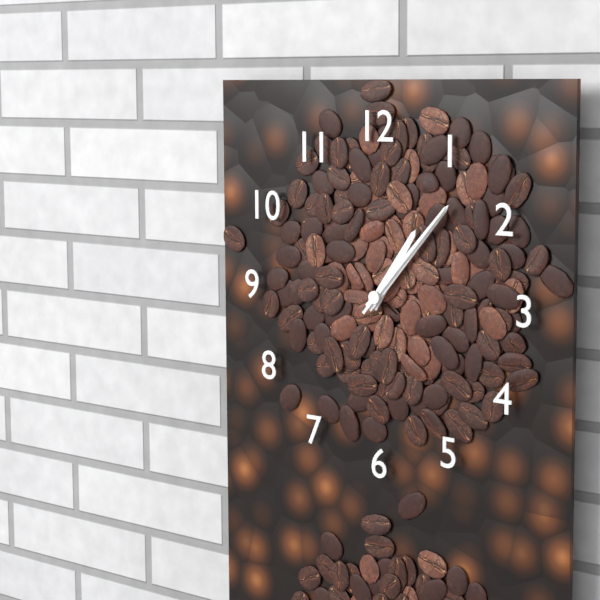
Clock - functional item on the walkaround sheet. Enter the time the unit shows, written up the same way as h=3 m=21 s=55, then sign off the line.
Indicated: h=1 m=7 s=7
